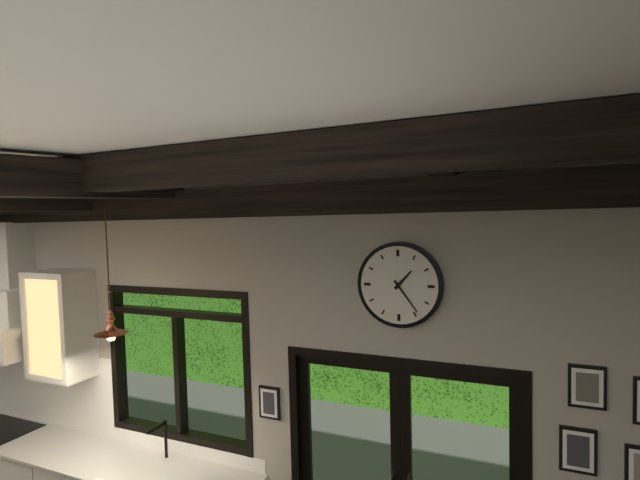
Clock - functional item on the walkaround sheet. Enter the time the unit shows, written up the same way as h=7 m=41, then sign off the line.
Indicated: h=1 m=24
